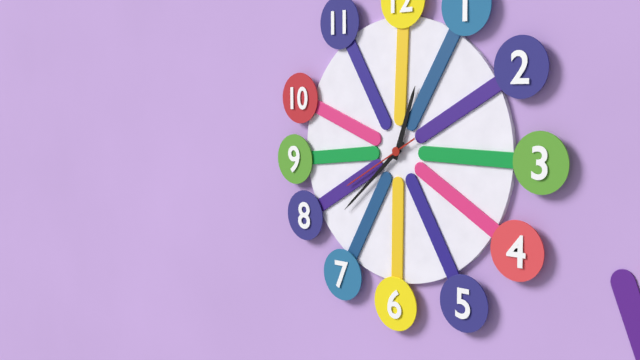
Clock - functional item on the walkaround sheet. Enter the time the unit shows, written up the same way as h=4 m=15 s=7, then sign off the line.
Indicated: h=12 m=38 s=40
